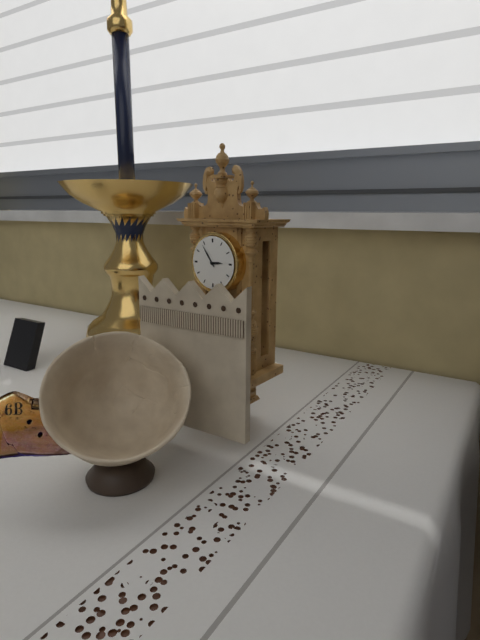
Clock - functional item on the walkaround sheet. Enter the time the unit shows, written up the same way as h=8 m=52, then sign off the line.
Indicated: h=2 m=54
